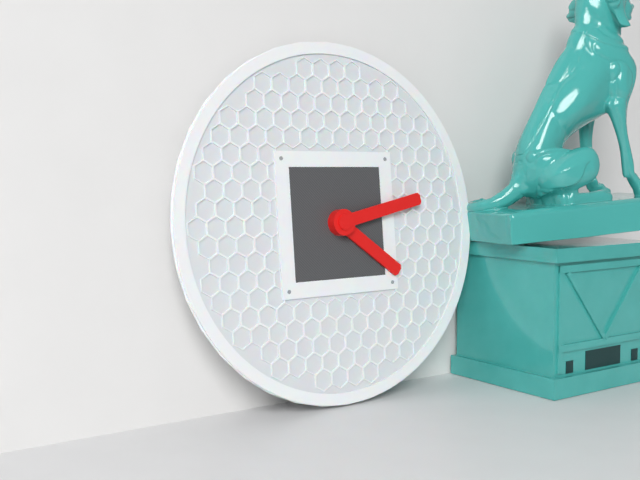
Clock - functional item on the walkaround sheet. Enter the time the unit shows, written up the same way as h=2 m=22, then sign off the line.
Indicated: h=4 m=13
